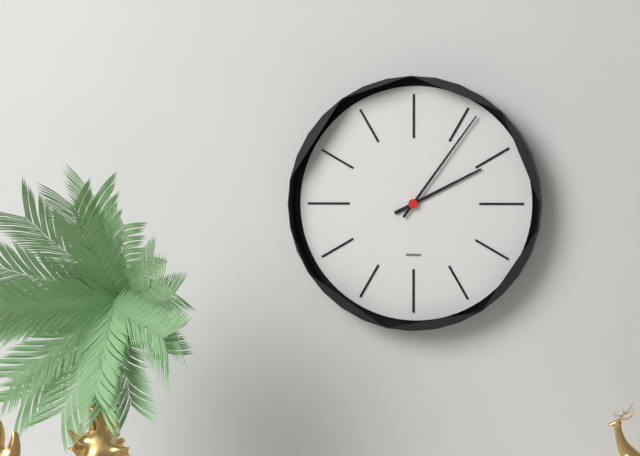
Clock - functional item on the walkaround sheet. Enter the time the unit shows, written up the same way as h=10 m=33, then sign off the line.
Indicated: h=2 m=6
